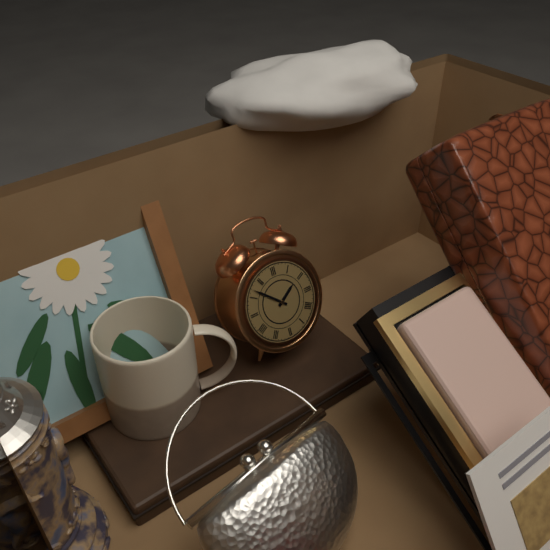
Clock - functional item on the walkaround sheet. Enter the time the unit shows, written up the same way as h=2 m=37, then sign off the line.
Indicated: h=1 m=52
